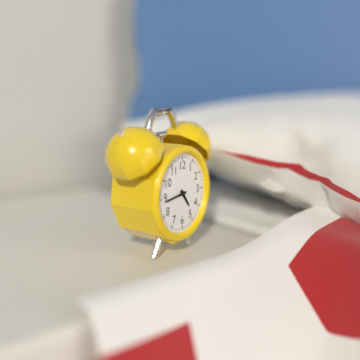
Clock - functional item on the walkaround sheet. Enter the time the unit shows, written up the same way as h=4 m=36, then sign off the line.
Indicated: h=4 m=44
